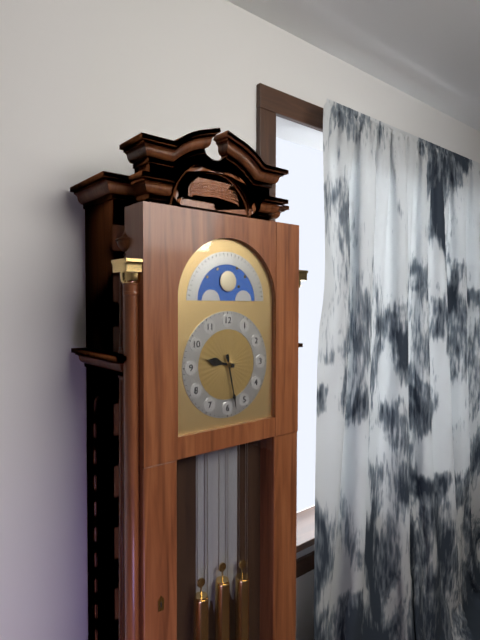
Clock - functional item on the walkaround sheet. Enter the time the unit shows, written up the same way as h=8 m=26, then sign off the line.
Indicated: h=9 m=28
